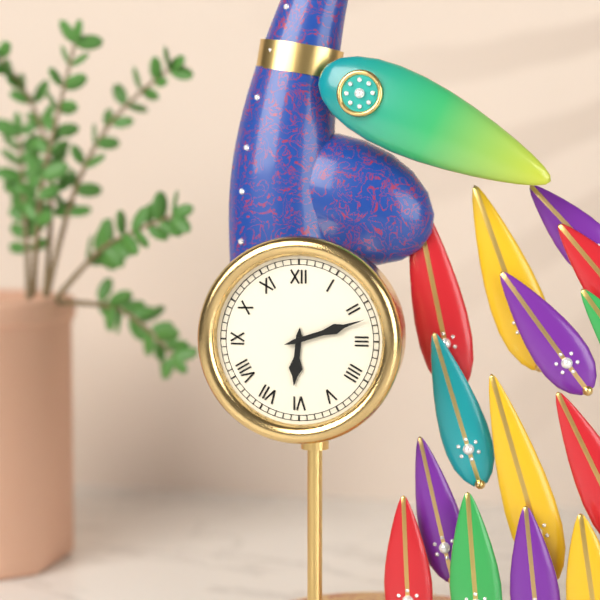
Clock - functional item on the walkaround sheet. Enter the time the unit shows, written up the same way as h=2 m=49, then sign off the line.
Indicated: h=6 m=12
